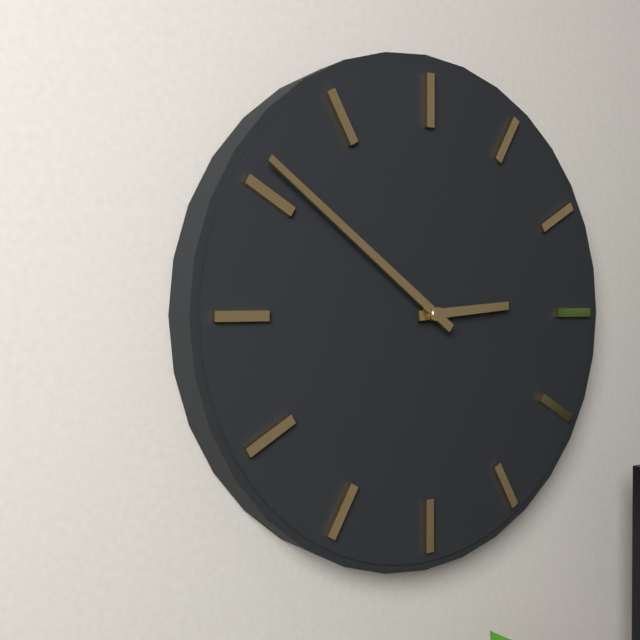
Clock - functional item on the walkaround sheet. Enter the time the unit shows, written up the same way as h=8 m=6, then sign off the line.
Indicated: h=2 m=51
